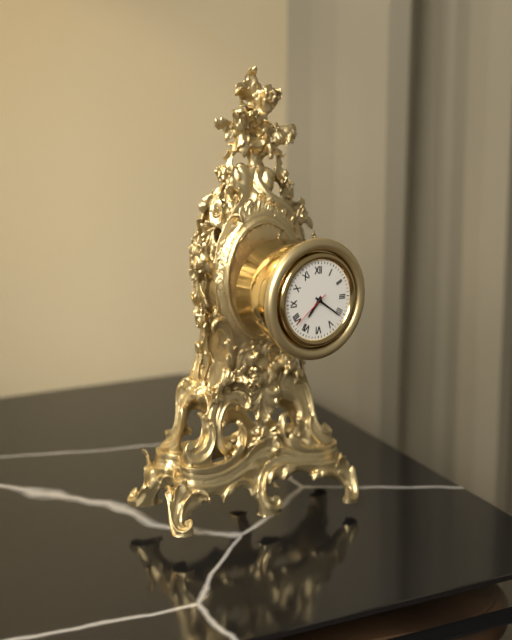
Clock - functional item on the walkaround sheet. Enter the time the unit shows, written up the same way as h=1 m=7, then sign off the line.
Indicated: h=7 m=21
